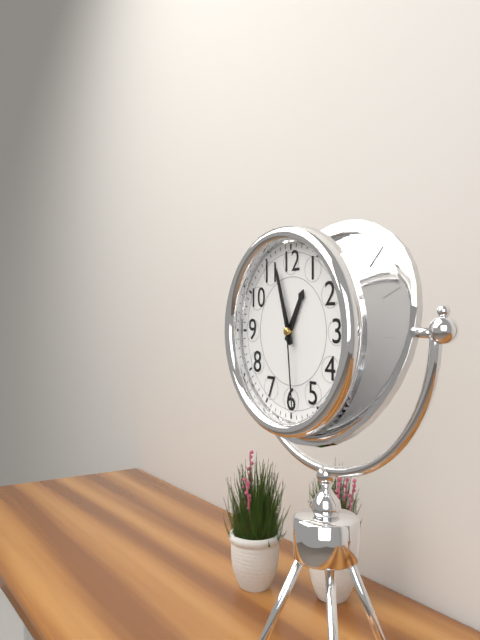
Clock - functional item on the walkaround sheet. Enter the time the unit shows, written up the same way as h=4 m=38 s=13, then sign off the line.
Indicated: h=12 m=57 s=29
